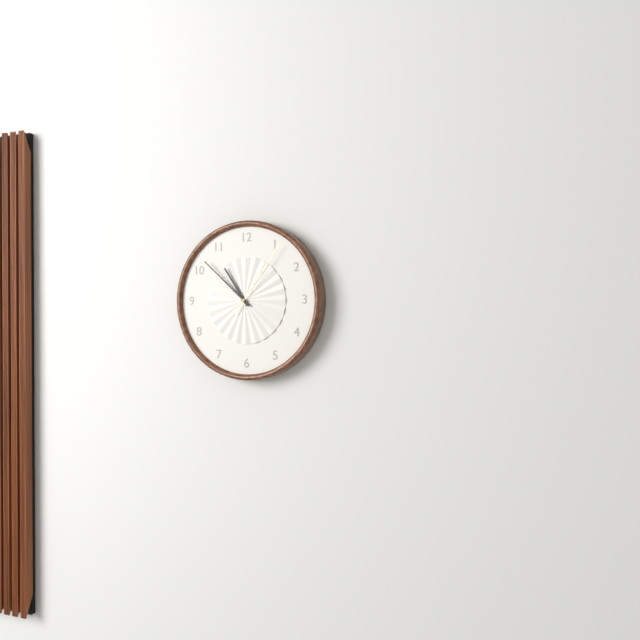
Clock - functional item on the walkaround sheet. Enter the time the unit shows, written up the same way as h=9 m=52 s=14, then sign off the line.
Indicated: h=10 m=52 s=6
